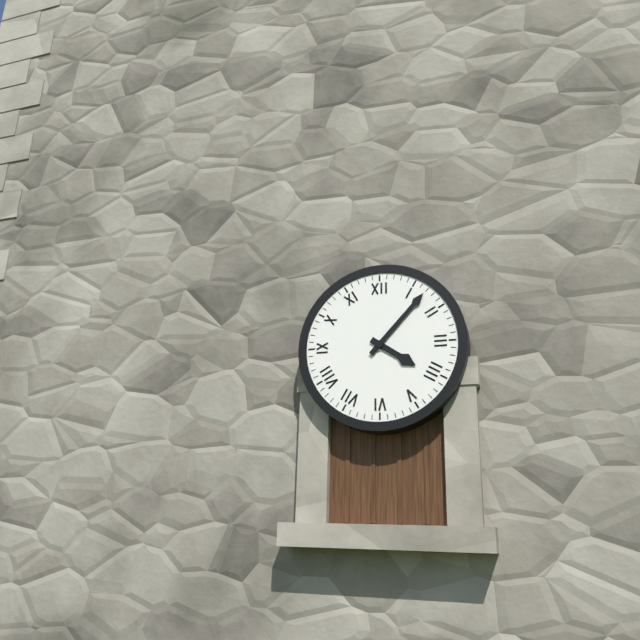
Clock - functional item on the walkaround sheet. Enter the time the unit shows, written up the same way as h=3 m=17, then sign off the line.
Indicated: h=4 m=7
